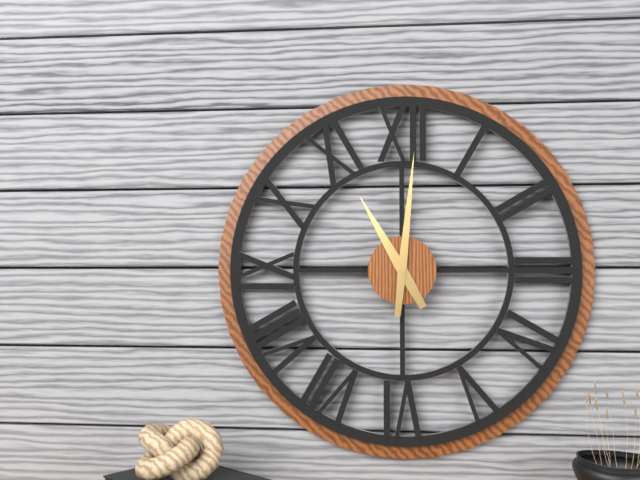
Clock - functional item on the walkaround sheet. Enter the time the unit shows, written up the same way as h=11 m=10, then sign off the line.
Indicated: h=11 m=1
